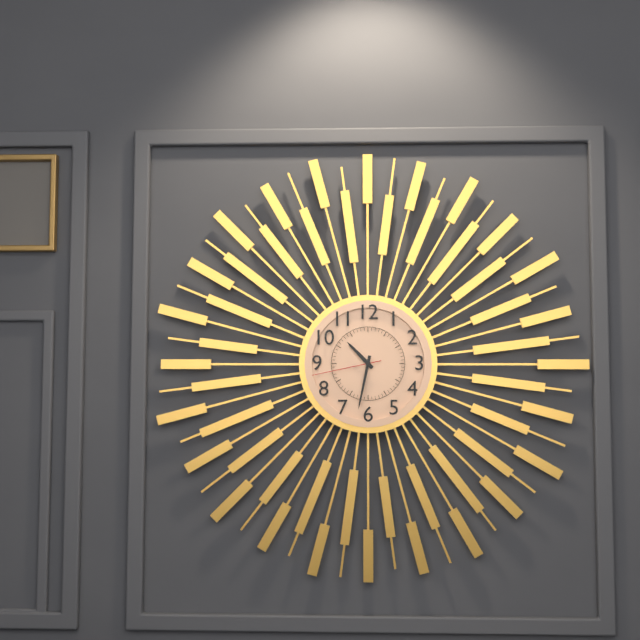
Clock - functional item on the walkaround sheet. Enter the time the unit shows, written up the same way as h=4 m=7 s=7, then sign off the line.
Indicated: h=10 m=32 s=43
